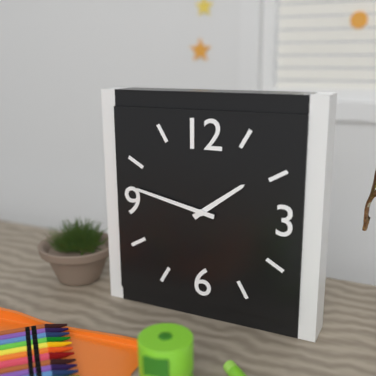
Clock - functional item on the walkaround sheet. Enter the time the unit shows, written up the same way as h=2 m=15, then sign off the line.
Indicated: h=1 m=47
